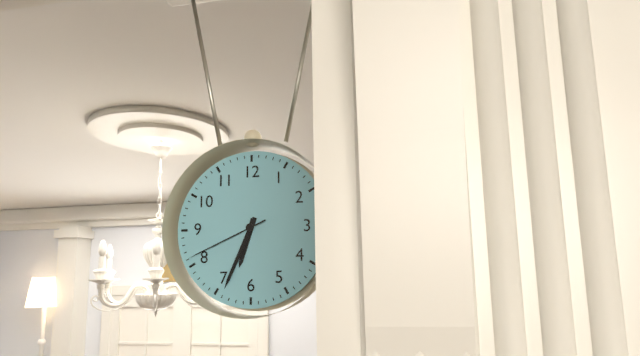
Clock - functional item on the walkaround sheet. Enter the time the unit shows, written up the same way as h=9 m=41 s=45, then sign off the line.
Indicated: h=6 m=34 s=41
